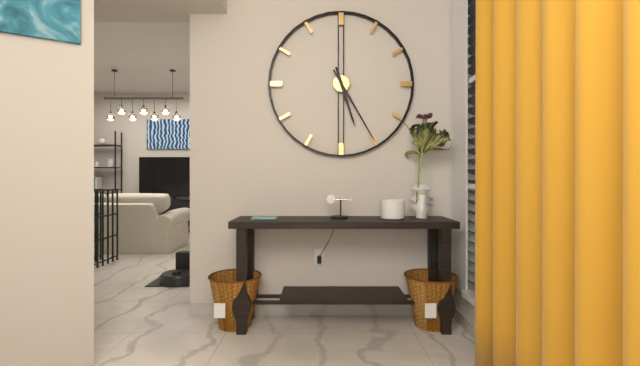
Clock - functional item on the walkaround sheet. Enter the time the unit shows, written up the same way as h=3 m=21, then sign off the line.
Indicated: h=5 m=25
